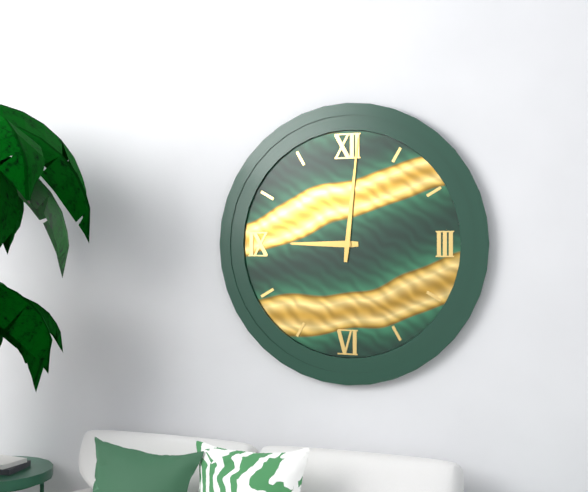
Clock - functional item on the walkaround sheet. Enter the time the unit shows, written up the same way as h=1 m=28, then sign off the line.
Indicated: h=9 m=1
